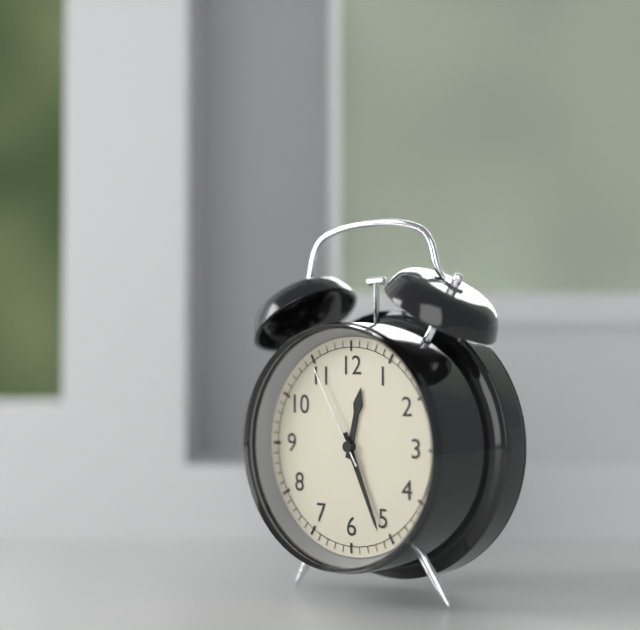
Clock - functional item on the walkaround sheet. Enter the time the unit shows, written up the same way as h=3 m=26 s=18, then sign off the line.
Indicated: h=12 m=26 s=55
